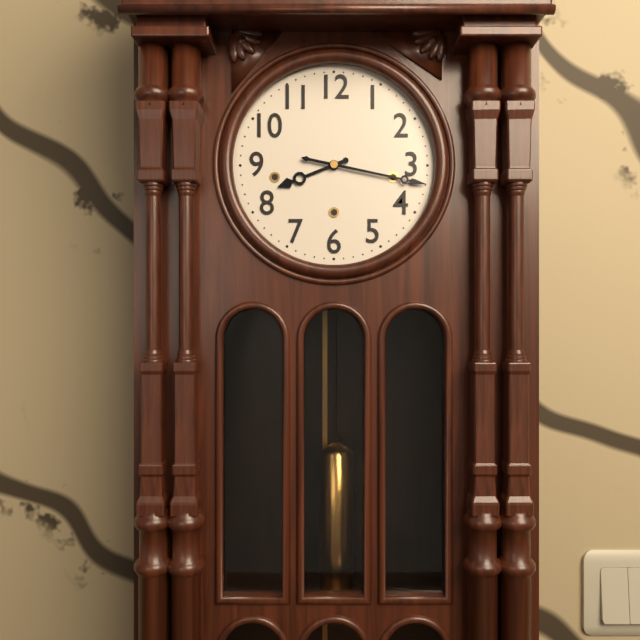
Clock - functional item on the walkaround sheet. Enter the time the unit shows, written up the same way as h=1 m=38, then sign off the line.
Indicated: h=8 m=17
